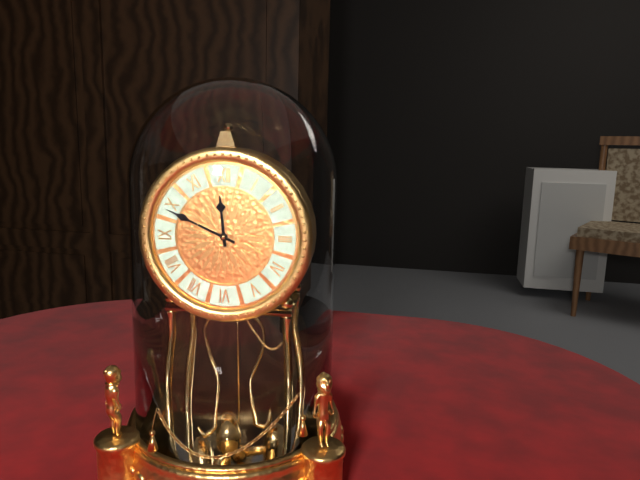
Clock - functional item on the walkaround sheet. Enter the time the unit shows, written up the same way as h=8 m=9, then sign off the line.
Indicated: h=11 m=49
